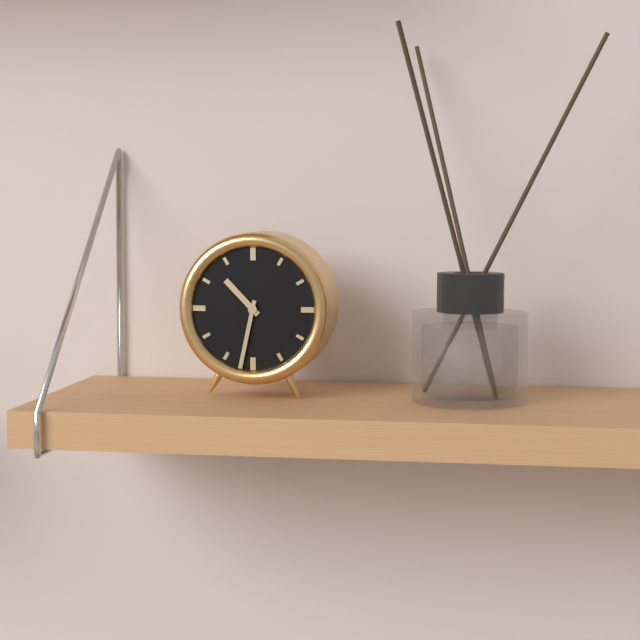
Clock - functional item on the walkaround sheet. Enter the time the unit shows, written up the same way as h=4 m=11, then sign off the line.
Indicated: h=10 m=32
